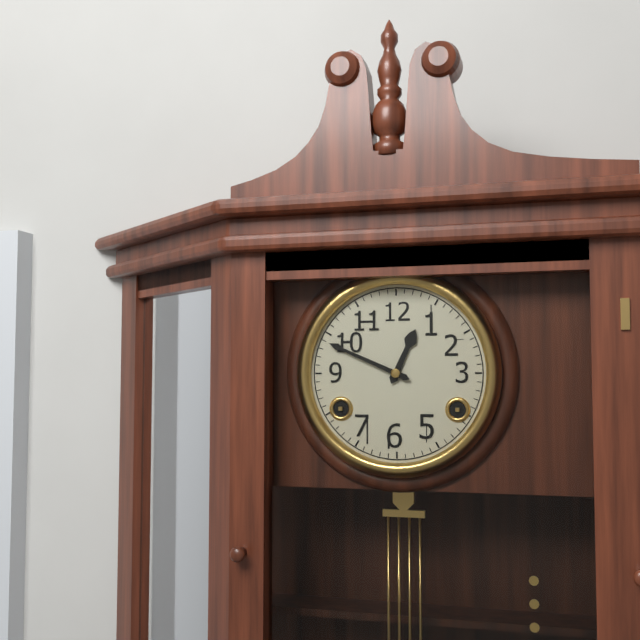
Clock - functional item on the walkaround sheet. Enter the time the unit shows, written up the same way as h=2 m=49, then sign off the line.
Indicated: h=12 m=49
